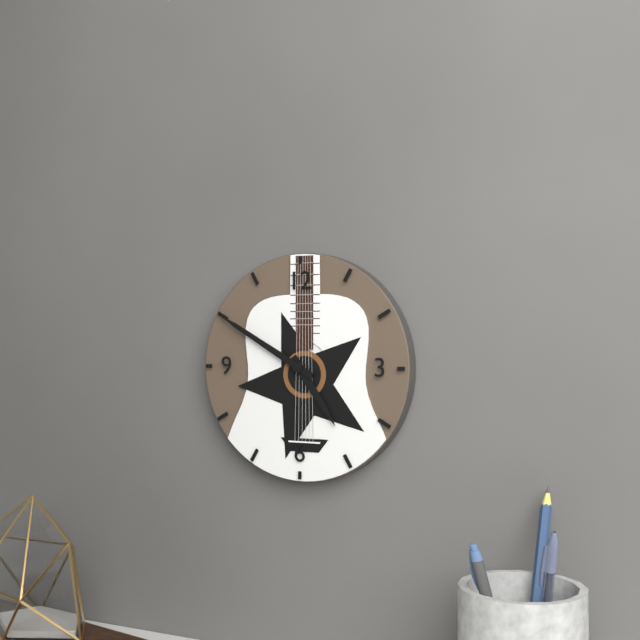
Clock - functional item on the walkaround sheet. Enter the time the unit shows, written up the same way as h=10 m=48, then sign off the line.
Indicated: h=4 m=50
